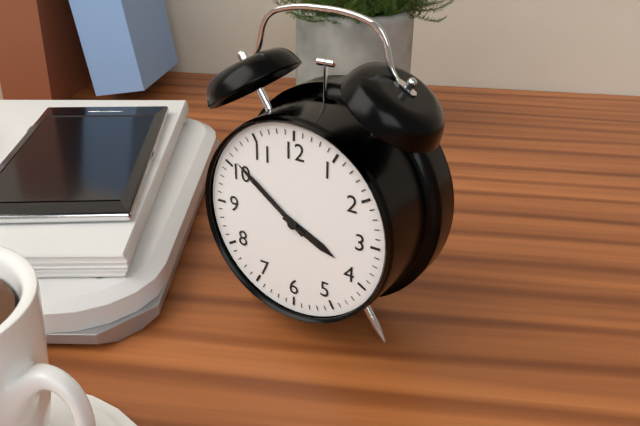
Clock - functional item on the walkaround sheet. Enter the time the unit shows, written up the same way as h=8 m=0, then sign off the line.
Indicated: h=3 m=51
